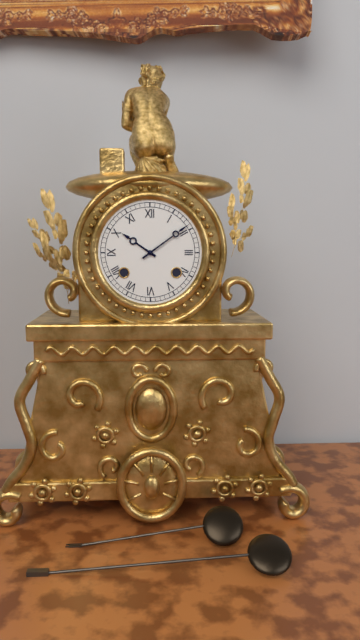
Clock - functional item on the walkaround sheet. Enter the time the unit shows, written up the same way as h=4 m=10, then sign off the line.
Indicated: h=10 m=9
